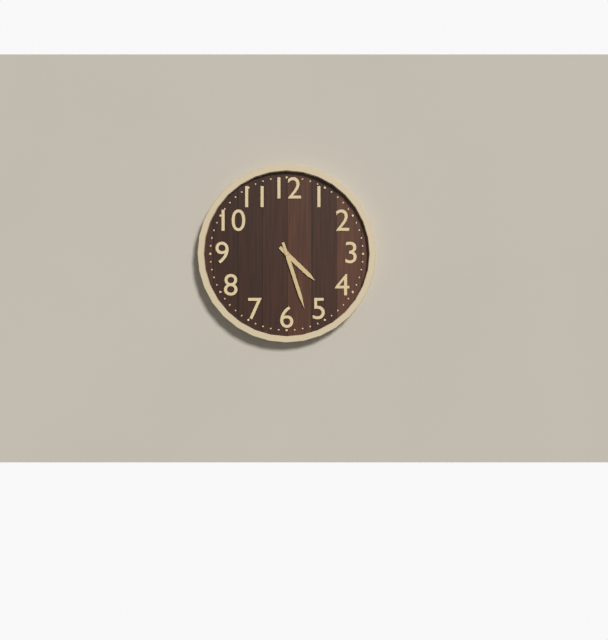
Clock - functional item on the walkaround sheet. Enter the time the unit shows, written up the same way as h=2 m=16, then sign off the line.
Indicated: h=4 m=27
